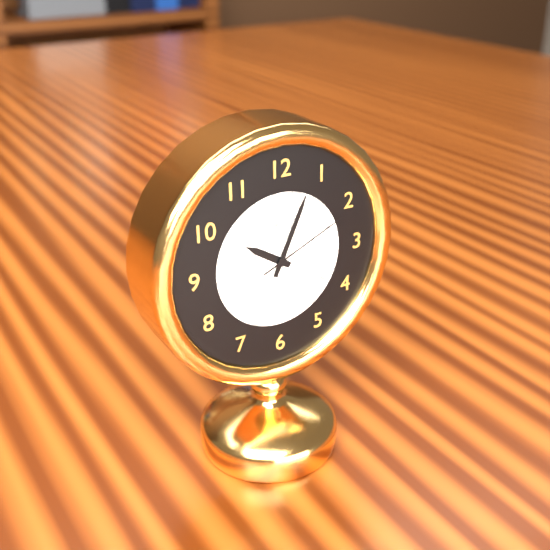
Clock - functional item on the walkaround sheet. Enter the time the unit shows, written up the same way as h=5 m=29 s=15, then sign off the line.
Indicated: h=10 m=4 s=11
